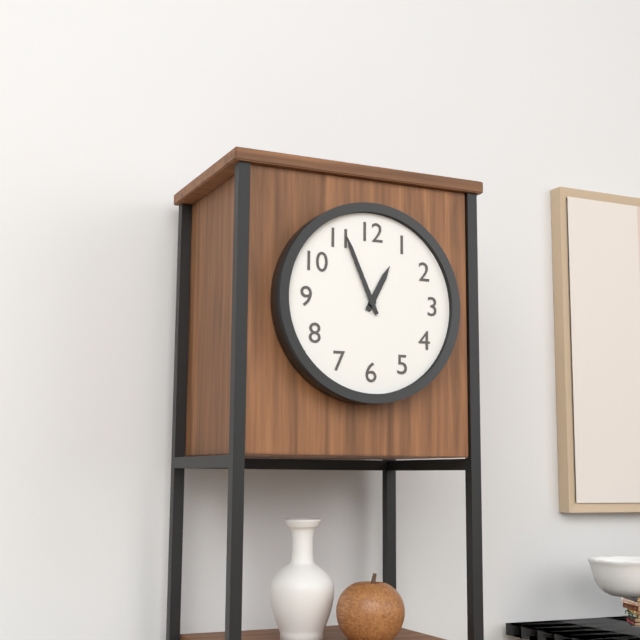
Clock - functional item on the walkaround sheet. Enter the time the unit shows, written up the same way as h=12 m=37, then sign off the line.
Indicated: h=12 m=56
